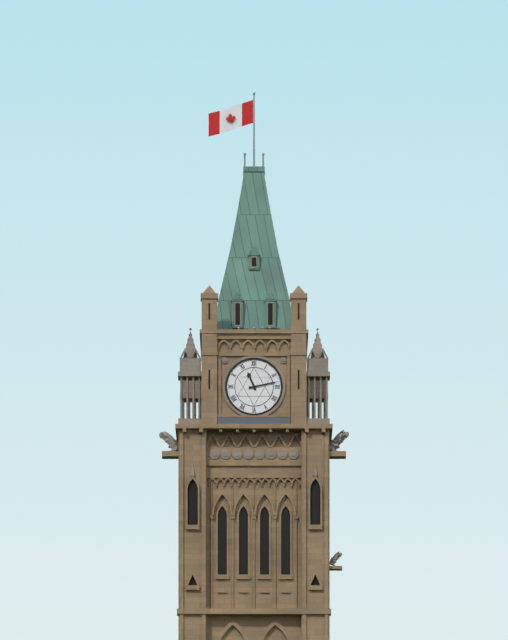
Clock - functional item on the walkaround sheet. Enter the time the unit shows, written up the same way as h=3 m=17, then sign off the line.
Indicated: h=11 m=13
